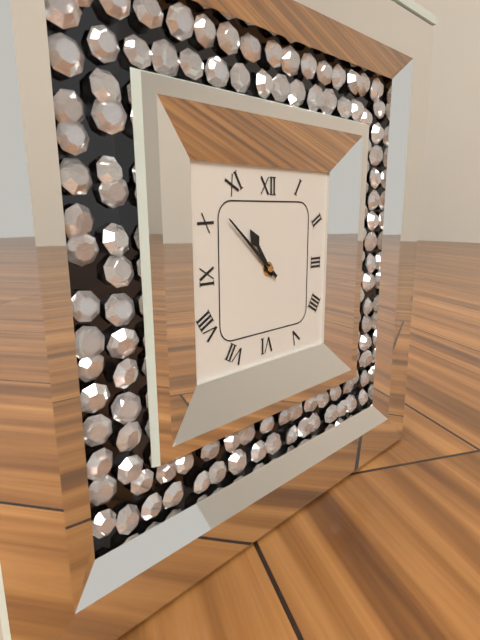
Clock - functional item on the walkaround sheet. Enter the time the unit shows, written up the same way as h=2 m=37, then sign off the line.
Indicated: h=10 m=52
